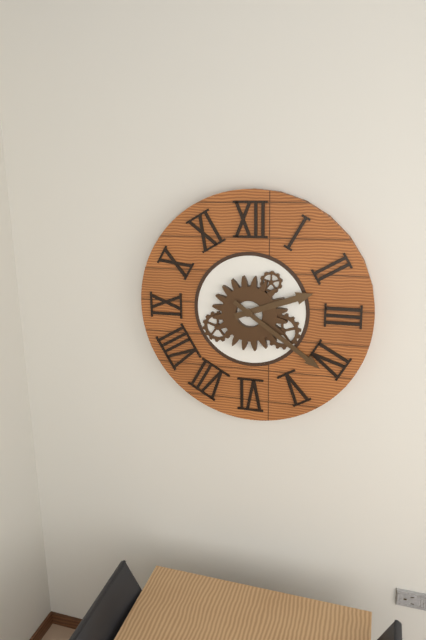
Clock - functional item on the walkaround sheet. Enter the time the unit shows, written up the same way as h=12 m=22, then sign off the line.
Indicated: h=2 m=21
